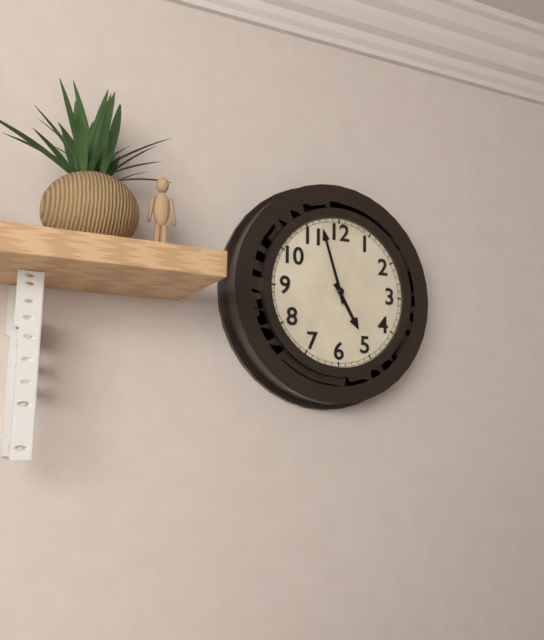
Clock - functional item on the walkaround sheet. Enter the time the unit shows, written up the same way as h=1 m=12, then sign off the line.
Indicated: h=4 m=57
